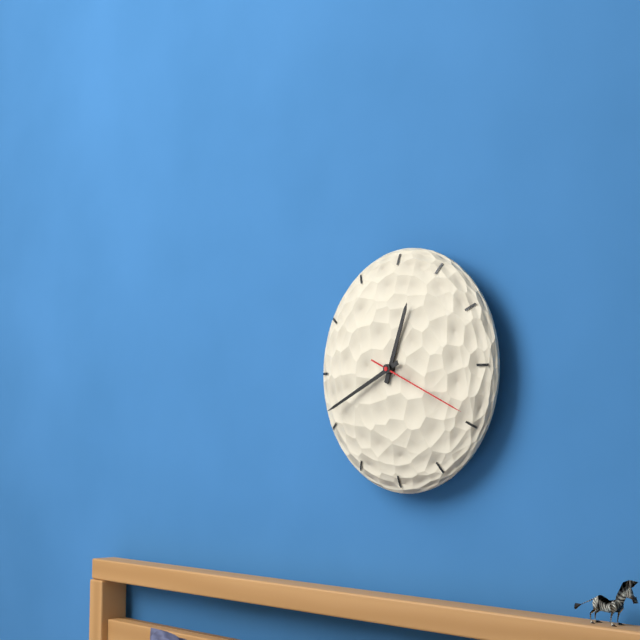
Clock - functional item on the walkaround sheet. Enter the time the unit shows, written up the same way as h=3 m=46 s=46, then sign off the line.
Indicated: h=12 m=41 s=19
